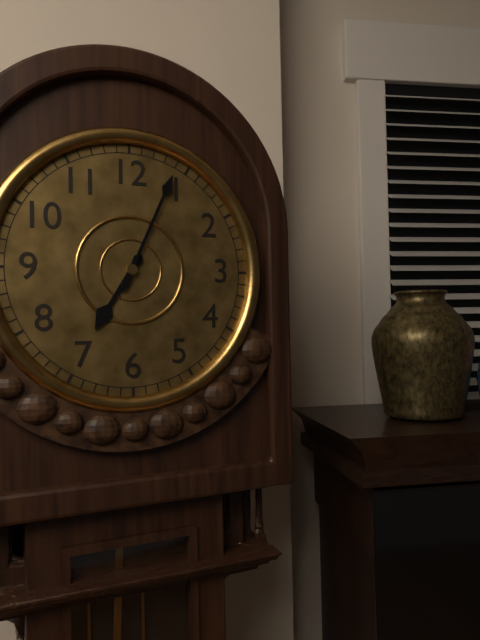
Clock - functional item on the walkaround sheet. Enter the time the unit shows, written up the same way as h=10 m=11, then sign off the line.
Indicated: h=7 m=4
